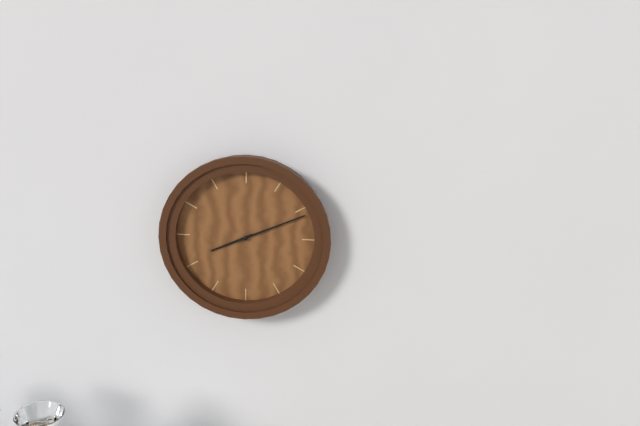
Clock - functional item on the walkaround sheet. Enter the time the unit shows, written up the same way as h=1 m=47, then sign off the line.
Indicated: h=8 m=11
